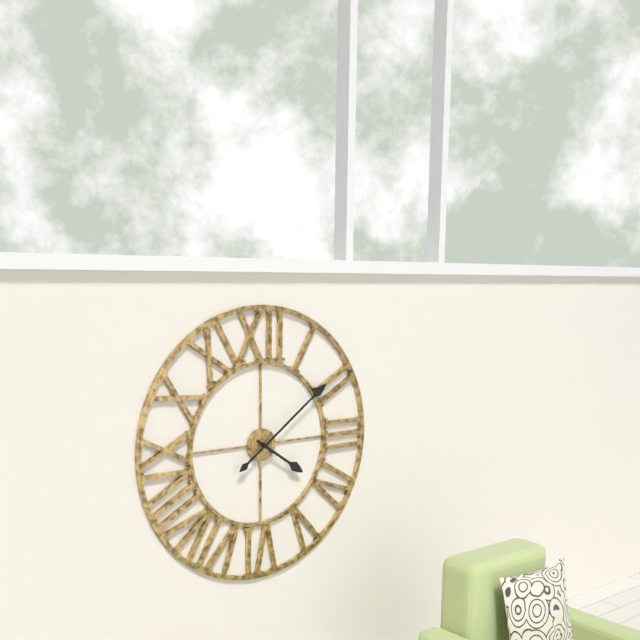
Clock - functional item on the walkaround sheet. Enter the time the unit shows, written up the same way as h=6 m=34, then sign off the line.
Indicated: h=4 m=9
